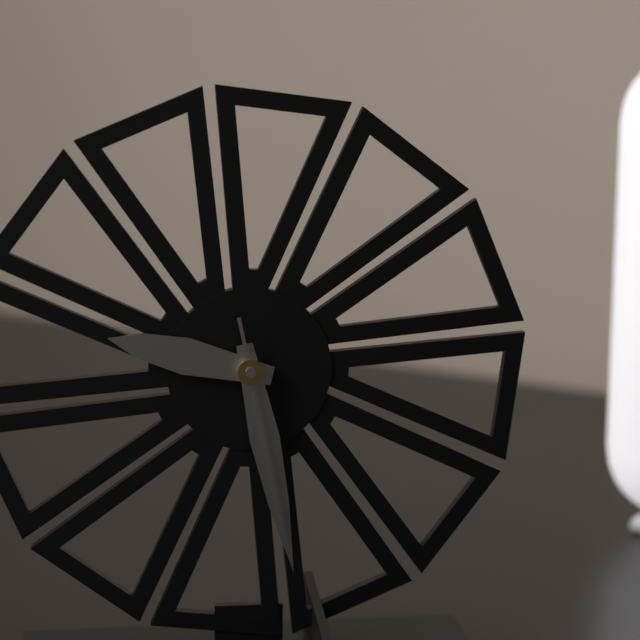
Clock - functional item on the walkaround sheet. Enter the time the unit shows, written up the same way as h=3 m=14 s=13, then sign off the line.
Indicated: h=9 m=28 s=28
